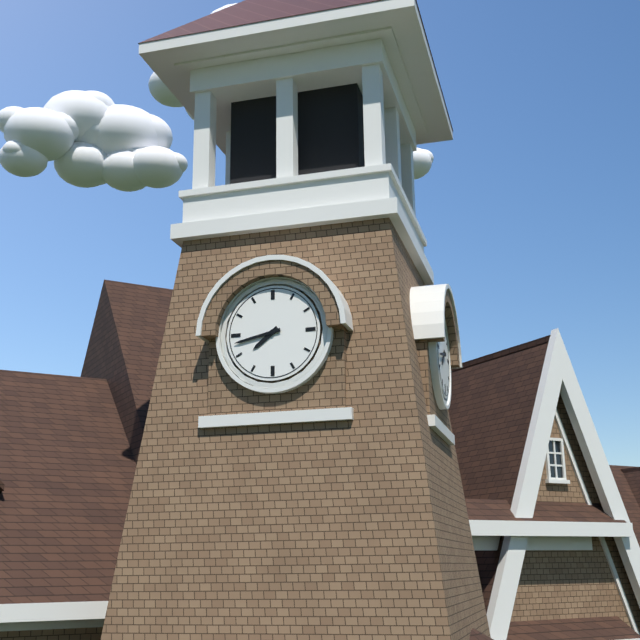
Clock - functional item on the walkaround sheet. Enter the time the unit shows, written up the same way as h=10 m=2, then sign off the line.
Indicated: h=7 m=43
